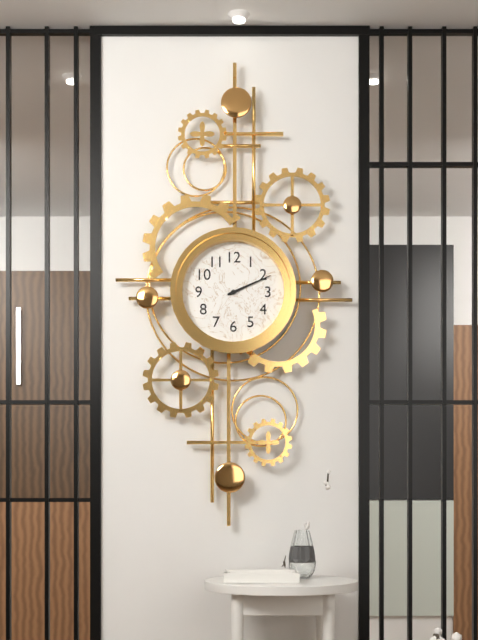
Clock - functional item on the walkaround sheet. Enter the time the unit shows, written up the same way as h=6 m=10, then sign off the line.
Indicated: h=2 m=11
